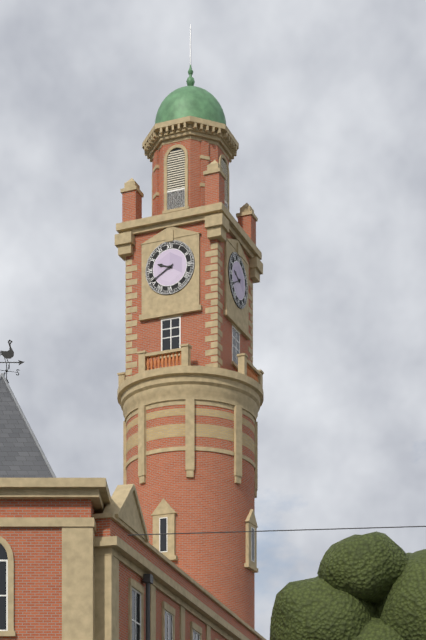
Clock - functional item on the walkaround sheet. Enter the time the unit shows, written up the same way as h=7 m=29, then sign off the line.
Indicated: h=9 m=40
